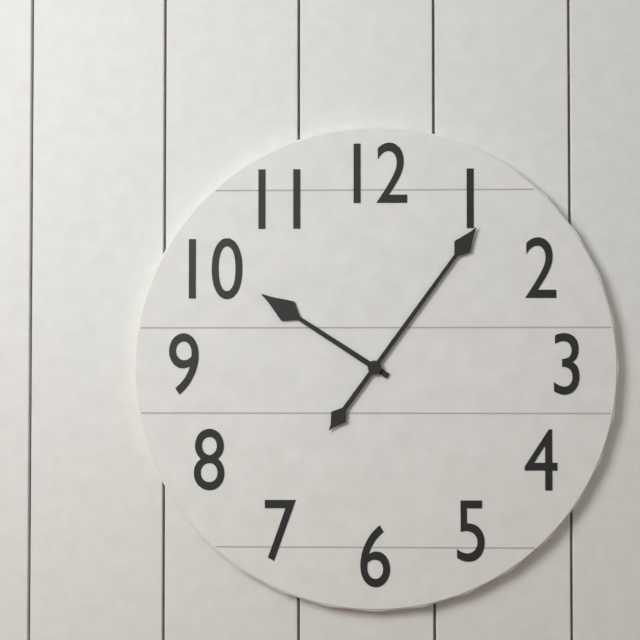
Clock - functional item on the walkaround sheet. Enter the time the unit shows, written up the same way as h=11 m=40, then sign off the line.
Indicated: h=10 m=6
